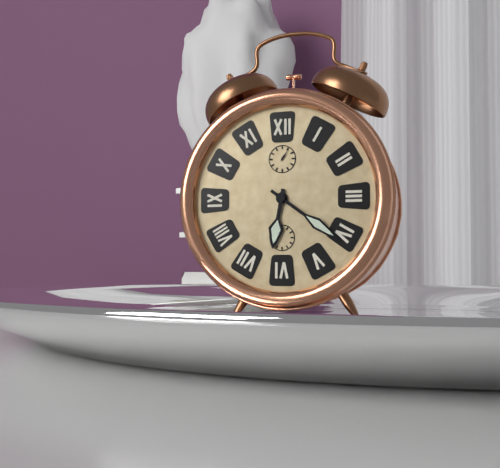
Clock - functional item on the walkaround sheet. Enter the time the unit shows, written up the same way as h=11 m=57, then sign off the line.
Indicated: h=6 m=21
